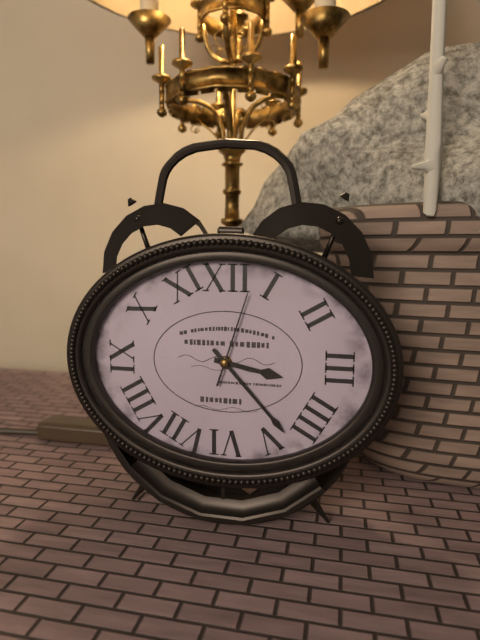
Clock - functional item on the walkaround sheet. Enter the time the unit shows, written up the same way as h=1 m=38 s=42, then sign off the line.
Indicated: h=3 m=23 s=3
